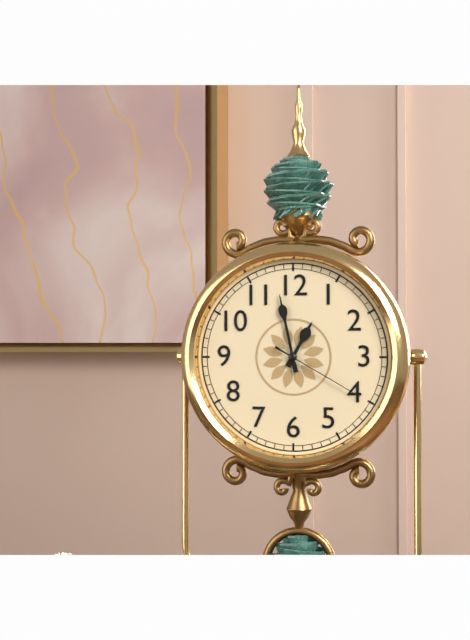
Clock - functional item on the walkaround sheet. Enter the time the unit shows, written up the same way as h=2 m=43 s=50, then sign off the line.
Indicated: h=12 m=58 s=20
